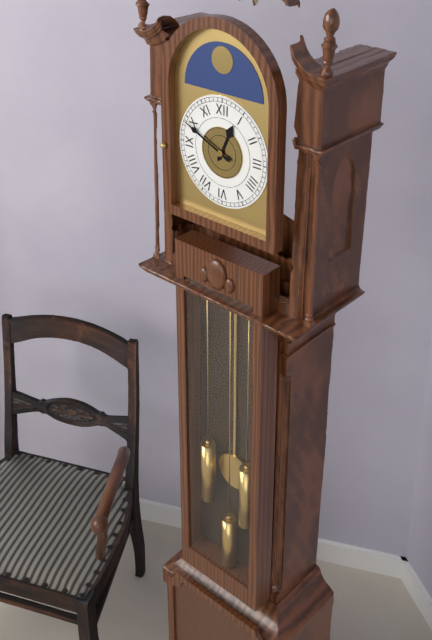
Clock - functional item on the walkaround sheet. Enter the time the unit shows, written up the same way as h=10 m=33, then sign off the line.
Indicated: h=12 m=49
